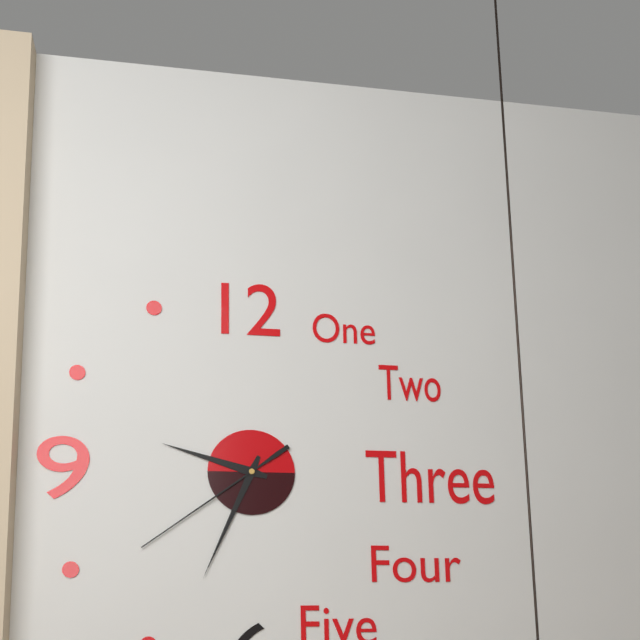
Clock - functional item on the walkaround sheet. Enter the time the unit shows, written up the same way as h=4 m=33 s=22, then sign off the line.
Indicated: h=9 m=34 s=39
